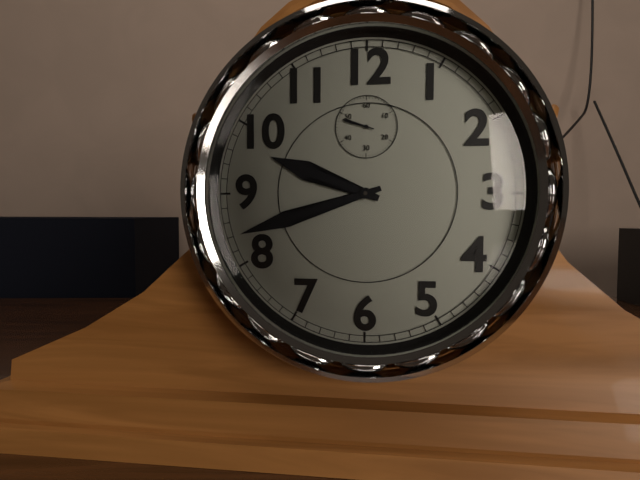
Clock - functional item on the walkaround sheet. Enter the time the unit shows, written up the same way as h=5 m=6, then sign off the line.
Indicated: h=9 m=42
